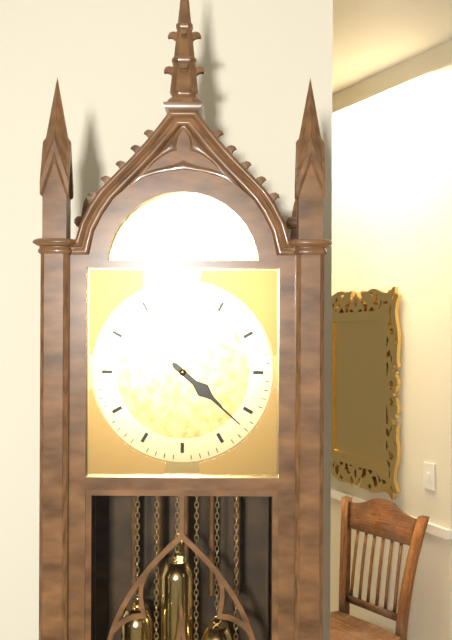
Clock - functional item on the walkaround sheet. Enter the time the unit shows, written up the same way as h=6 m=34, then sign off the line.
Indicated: h=4 m=22
